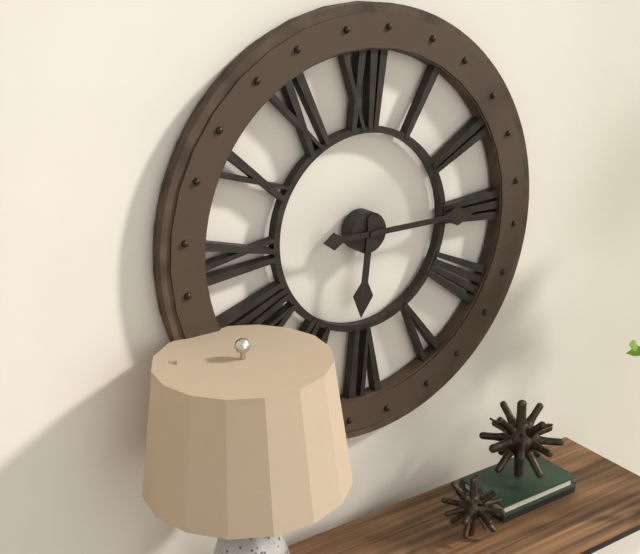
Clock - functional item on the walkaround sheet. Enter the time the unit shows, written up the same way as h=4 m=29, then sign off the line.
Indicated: h=6 m=15
